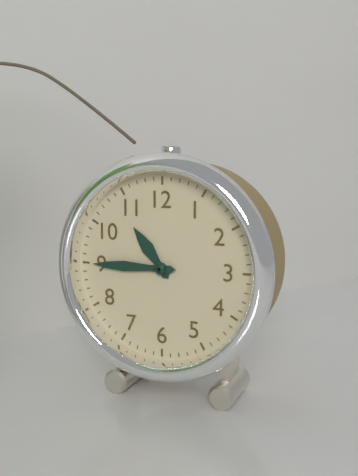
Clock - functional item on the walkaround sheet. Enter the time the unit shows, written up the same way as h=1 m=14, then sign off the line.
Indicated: h=10 m=45
